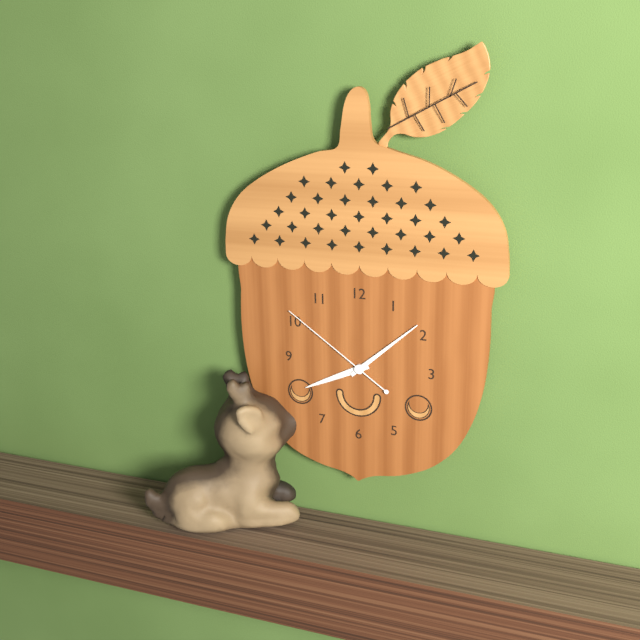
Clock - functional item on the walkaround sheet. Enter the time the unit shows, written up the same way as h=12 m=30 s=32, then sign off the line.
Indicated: h=8 m=8 s=51
